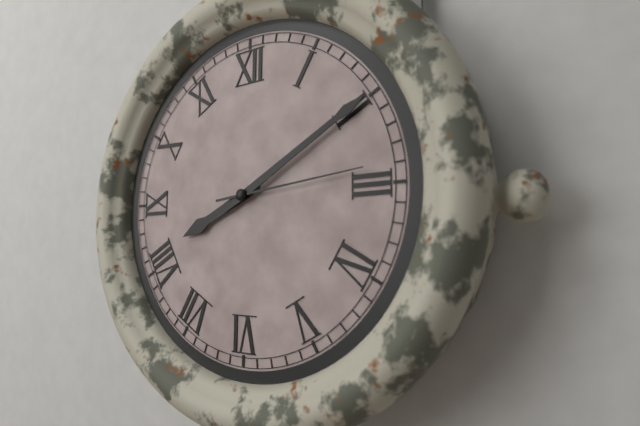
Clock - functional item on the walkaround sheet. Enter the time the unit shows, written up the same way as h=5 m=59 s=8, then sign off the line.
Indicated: h=8 m=10 s=14
